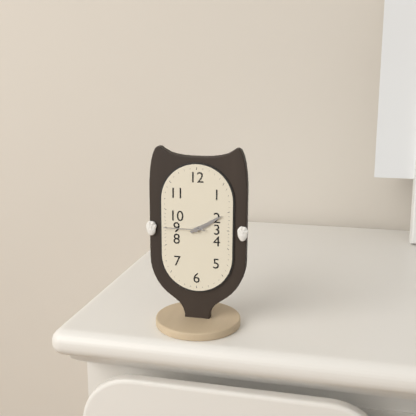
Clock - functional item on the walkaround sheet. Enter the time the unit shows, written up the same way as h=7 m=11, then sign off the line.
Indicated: h=2 m=10
